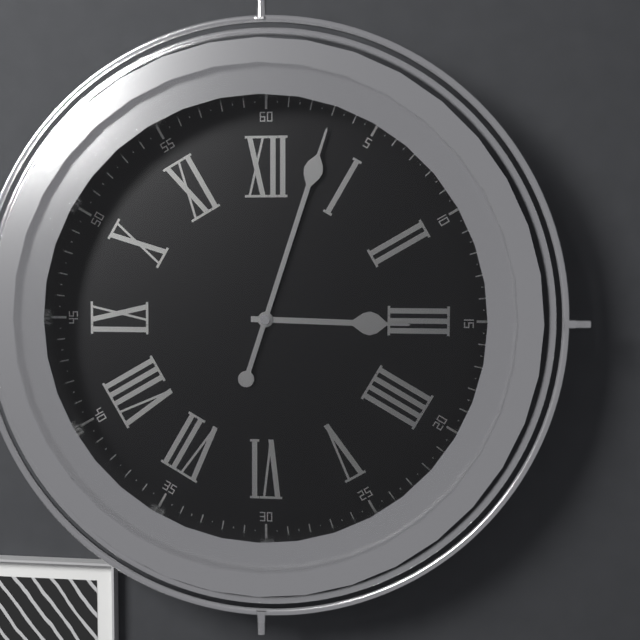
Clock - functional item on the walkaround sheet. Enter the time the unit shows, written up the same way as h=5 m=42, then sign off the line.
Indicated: h=3 m=3
